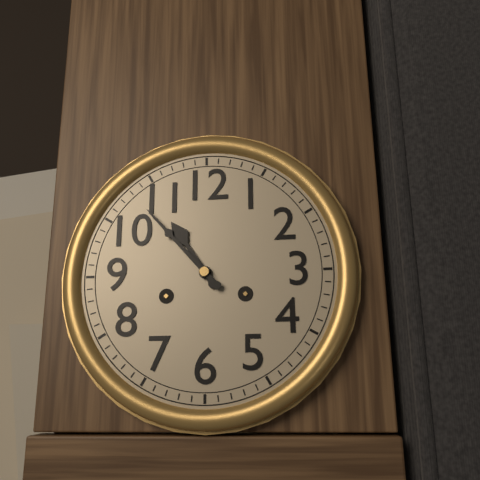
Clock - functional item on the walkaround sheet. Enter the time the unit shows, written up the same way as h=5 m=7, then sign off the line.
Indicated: h=10 m=53
